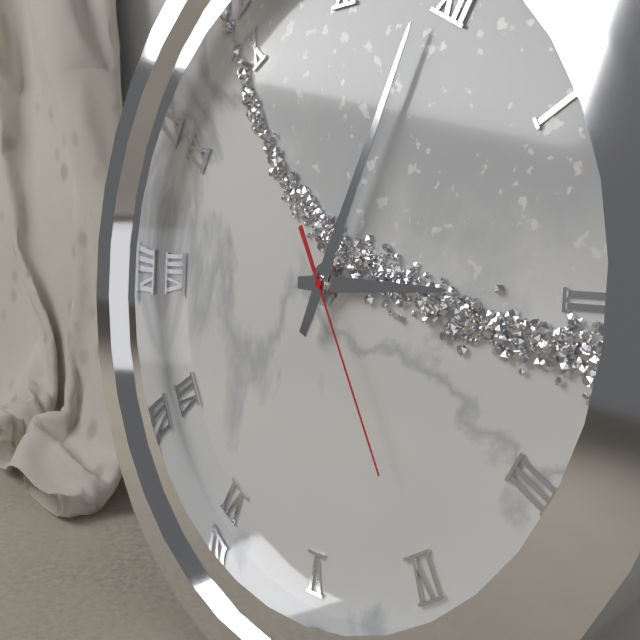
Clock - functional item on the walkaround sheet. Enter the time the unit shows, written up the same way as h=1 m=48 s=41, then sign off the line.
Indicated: h=1 m=59 s=20
